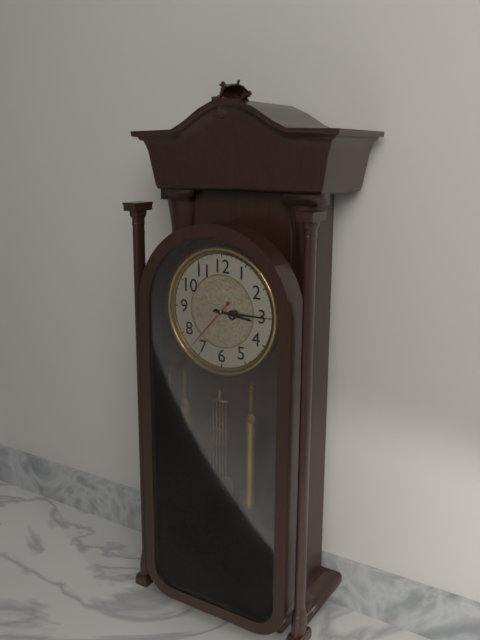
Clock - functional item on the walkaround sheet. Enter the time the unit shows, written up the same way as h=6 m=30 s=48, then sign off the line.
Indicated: h=3 m=15 s=37
